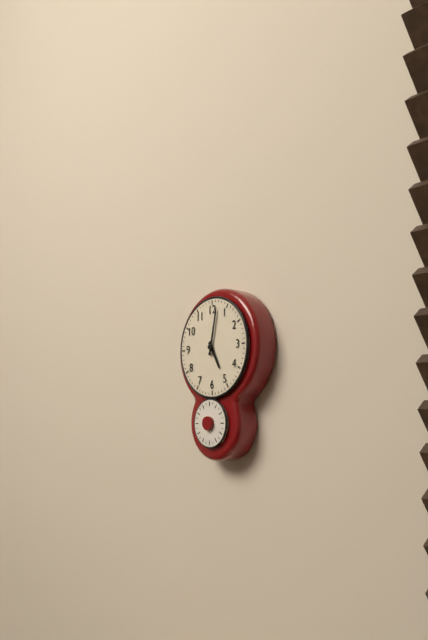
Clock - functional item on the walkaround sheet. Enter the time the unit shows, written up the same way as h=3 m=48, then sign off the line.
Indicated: h=5 m=2
